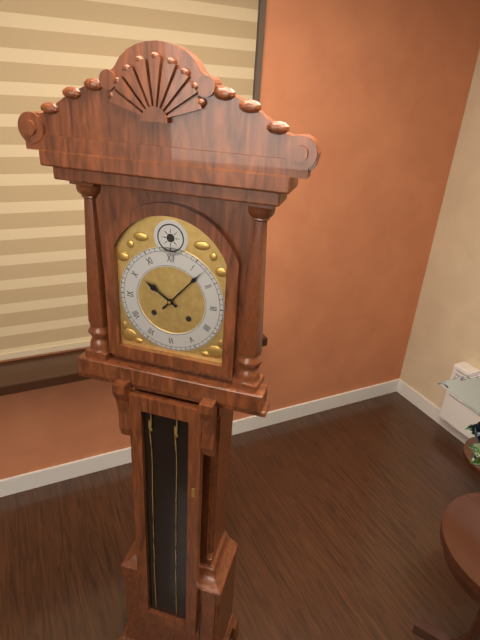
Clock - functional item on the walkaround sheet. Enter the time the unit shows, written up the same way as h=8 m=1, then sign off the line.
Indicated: h=10 m=7
